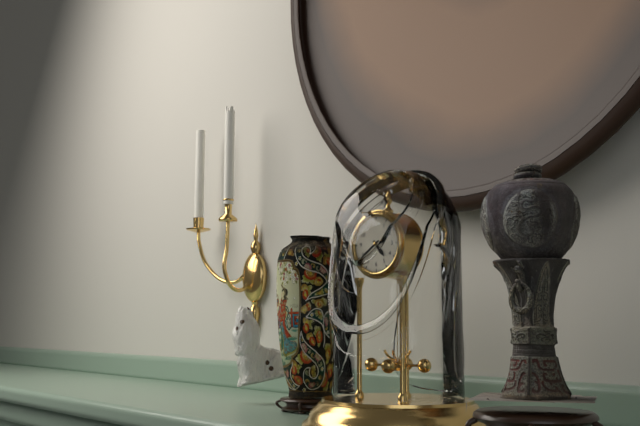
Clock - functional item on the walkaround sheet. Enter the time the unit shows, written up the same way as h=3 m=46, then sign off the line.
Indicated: h=4 m=39
